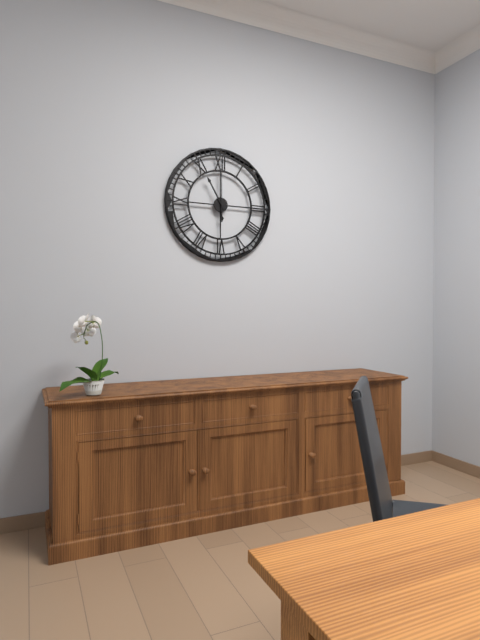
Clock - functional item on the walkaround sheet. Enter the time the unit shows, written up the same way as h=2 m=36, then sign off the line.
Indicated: h=5 m=55
